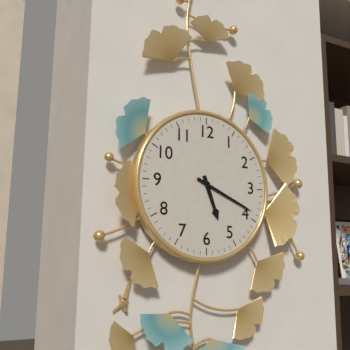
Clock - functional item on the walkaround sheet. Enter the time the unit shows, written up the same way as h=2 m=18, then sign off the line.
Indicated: h=5 m=19
